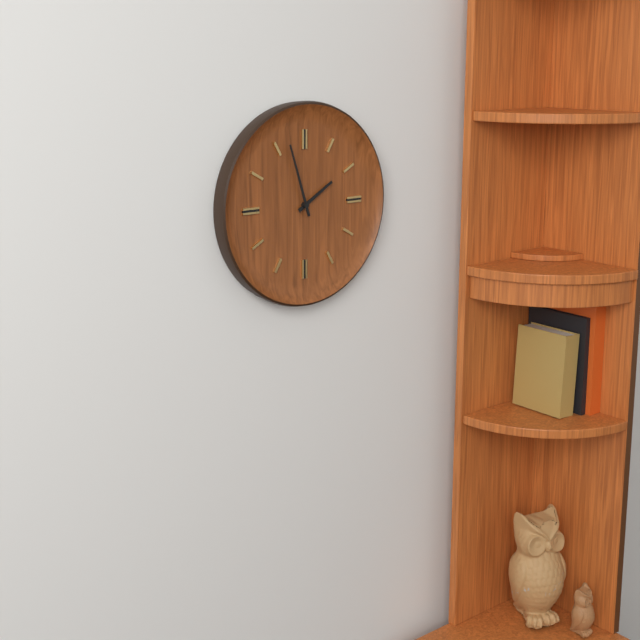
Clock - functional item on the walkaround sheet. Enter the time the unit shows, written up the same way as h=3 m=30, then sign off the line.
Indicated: h=1 m=57
